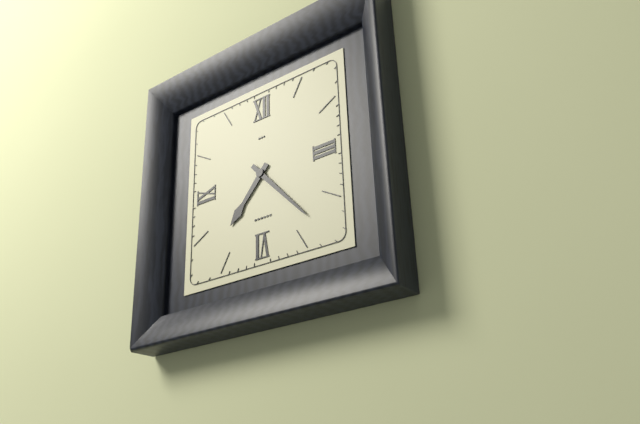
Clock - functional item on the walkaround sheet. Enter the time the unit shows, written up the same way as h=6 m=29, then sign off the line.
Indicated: h=7 m=23
